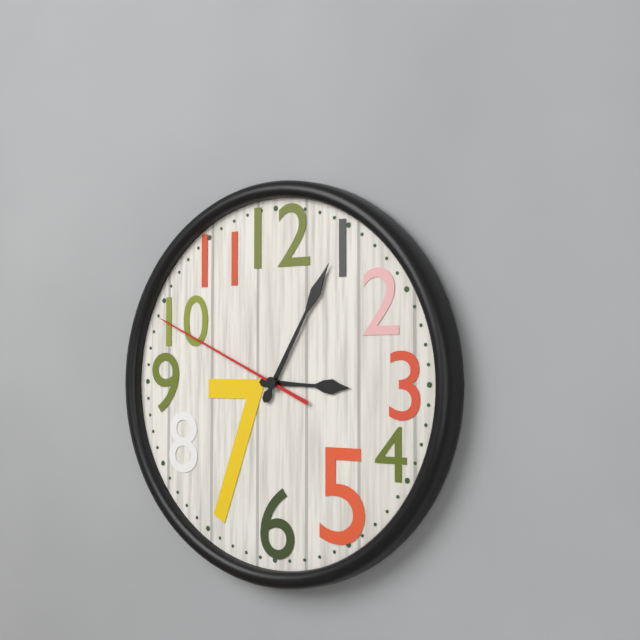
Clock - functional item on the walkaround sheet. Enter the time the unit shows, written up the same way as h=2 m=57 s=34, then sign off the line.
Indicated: h=3 m=5 s=49
